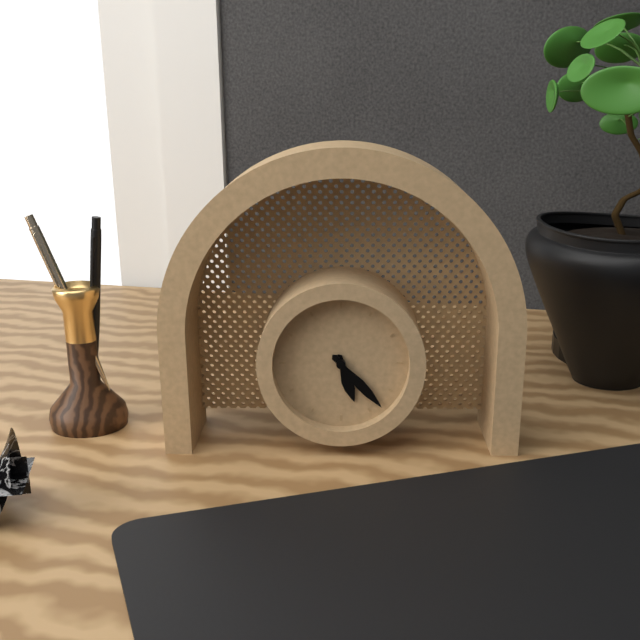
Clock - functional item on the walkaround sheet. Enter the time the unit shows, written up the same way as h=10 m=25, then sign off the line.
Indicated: h=5 m=23
